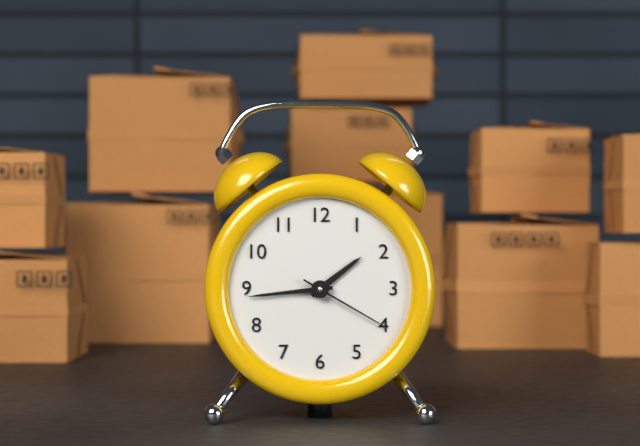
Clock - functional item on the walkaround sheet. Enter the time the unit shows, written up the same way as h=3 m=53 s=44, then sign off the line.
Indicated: h=1 m=44 s=20
